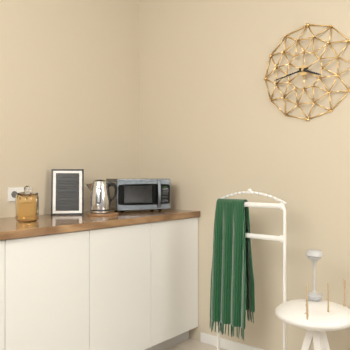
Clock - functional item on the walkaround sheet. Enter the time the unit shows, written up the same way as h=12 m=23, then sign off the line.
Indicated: h=3 m=43
